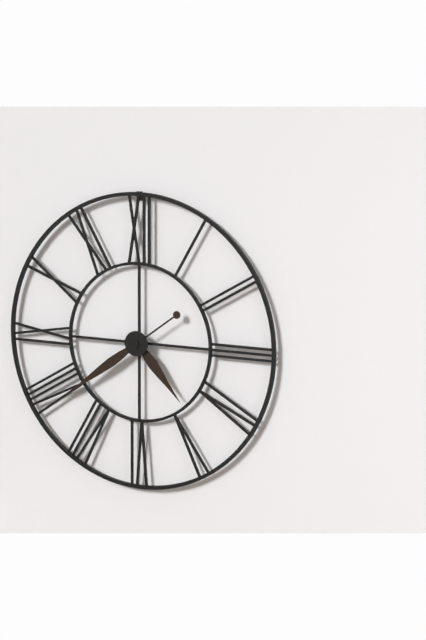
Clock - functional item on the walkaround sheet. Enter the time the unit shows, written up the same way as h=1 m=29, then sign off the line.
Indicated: h=4 m=39
